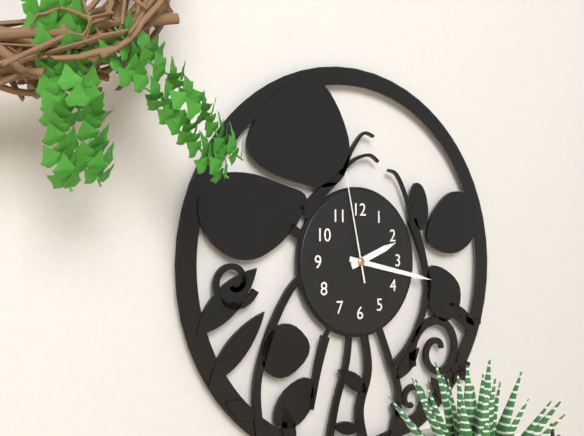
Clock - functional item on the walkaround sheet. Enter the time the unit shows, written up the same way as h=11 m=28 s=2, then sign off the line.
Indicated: h=2 m=17 s=58
